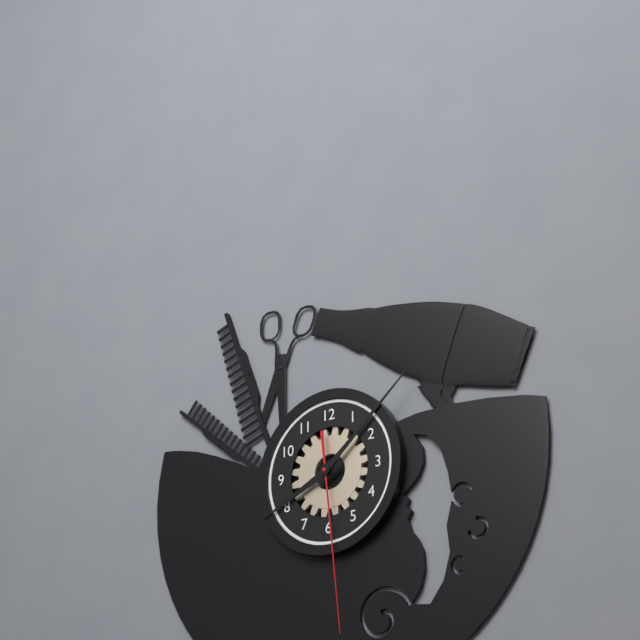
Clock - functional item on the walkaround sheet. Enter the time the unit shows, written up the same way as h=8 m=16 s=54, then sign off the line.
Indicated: h=8 m=8 s=29
